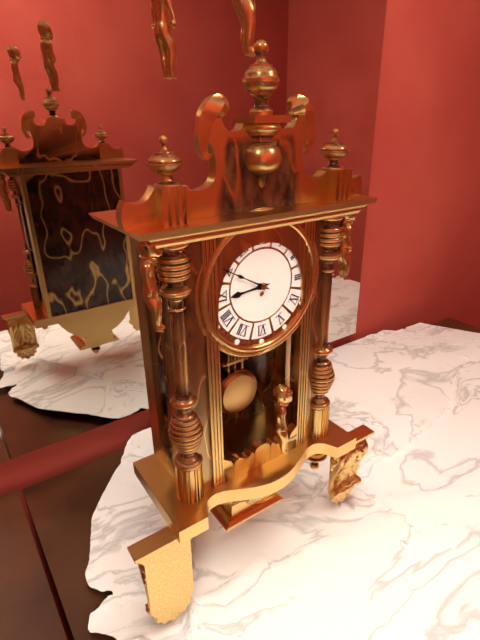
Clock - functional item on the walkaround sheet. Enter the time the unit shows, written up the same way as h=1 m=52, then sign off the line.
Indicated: h=8 m=50
